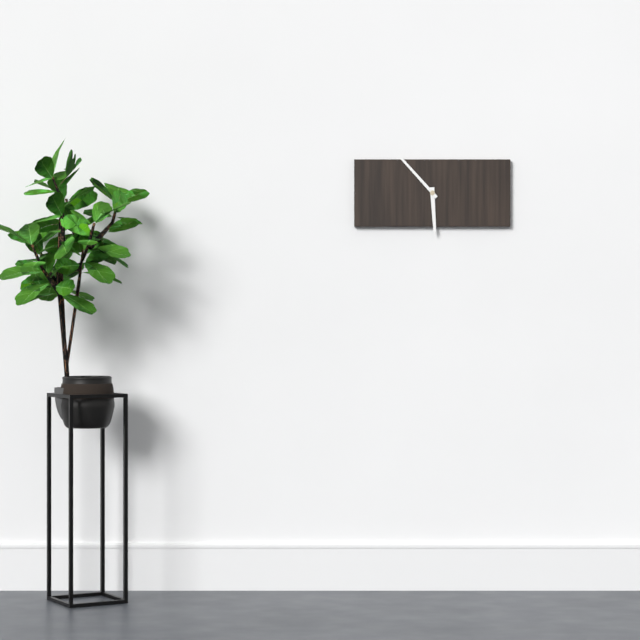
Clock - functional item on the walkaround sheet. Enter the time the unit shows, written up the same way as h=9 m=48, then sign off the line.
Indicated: h=5 m=53
